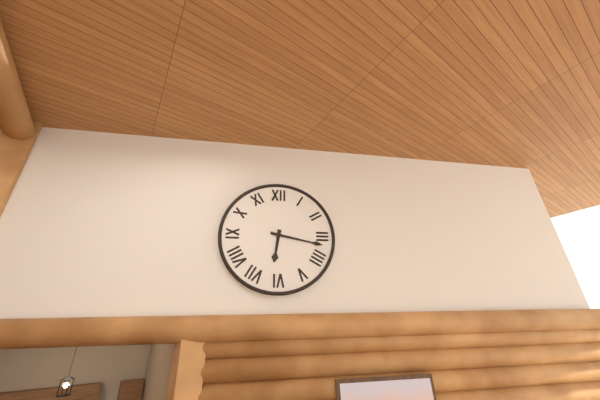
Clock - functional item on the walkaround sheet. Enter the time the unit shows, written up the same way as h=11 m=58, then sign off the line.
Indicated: h=6 m=17
